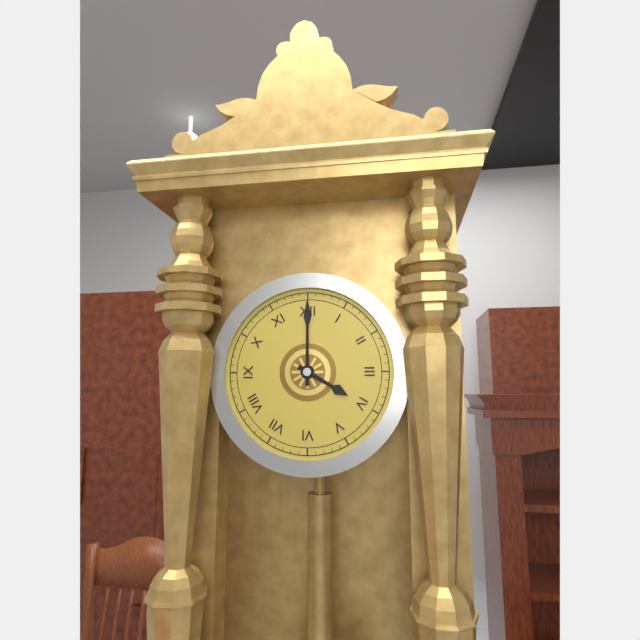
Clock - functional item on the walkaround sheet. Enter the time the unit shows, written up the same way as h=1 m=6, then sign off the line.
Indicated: h=4 m=0
